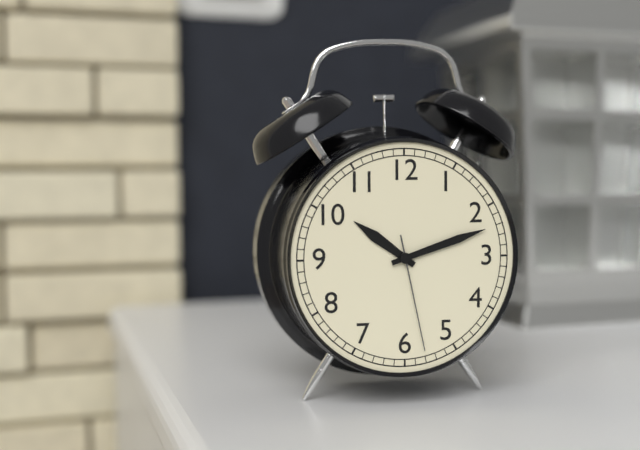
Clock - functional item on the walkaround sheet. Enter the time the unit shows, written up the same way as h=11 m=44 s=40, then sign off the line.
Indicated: h=10 m=12 s=28
